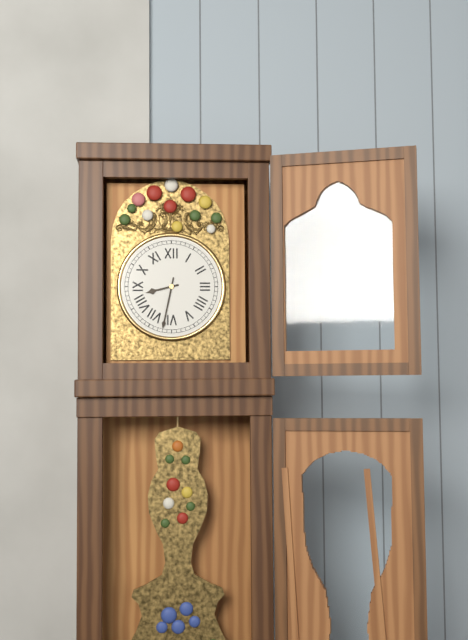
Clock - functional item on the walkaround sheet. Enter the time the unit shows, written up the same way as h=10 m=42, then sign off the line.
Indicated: h=8 m=32
